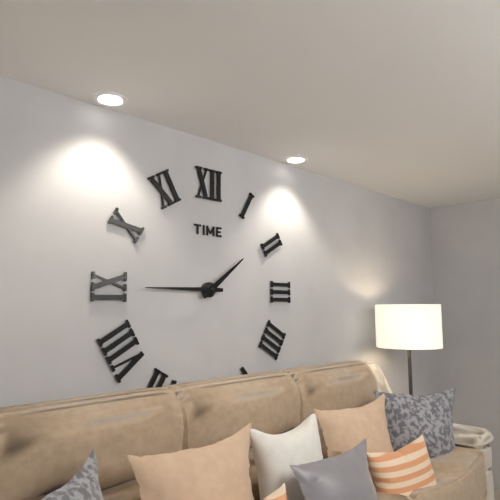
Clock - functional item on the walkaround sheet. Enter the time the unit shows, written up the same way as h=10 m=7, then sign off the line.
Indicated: h=1 m=45
